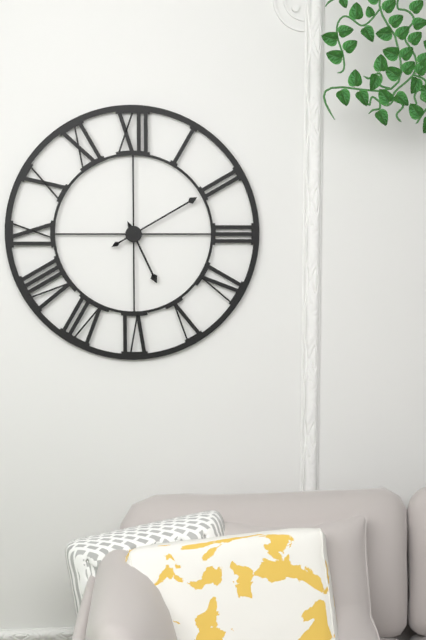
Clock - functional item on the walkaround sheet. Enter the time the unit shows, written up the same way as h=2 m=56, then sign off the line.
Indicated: h=5 m=10
